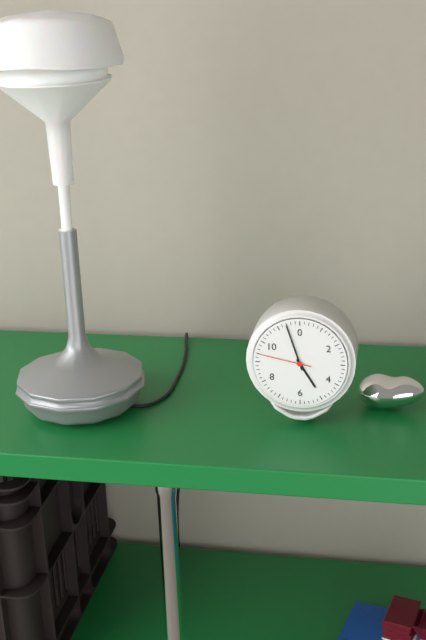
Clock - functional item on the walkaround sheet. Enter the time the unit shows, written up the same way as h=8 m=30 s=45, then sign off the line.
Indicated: h=4 m=57 s=47
